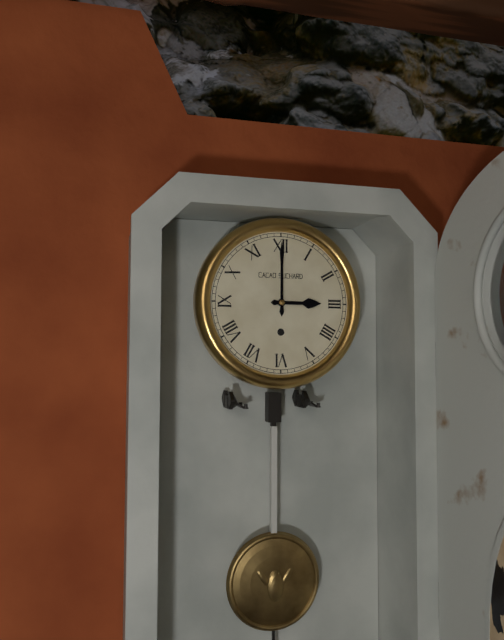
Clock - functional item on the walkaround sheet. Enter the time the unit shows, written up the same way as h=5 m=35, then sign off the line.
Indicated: h=3 m=0
